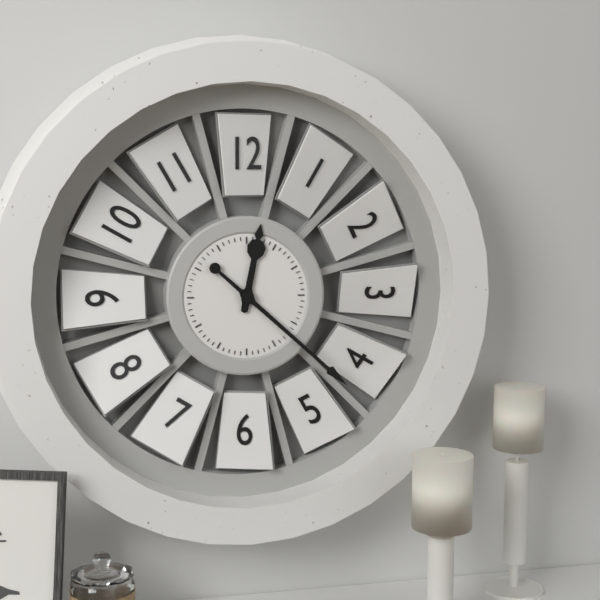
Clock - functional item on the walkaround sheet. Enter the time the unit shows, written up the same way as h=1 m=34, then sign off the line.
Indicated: h=12 m=22
